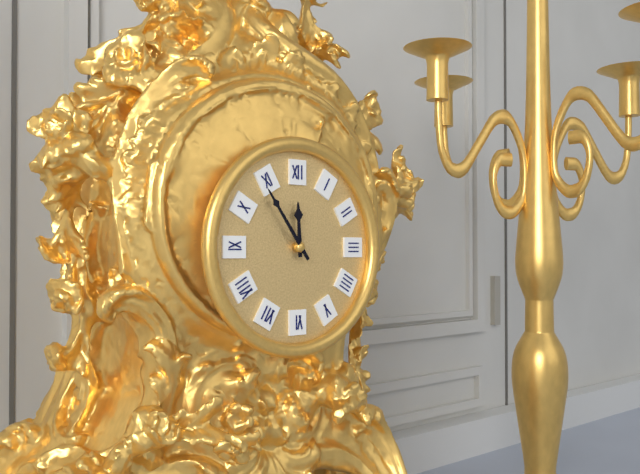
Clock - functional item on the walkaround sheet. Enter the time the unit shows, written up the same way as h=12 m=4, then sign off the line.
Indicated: h=11 m=54
